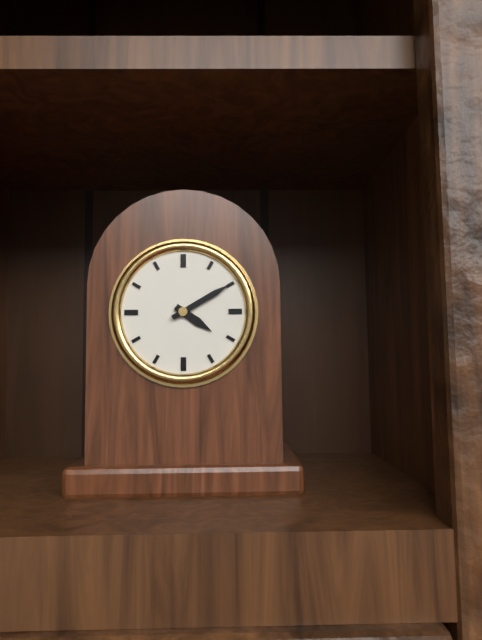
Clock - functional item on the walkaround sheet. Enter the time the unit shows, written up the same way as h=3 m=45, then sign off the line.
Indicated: h=4 m=10
